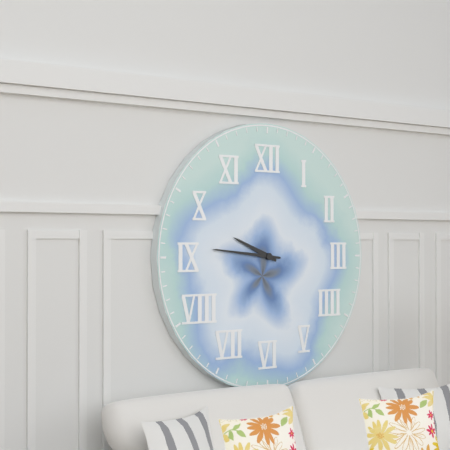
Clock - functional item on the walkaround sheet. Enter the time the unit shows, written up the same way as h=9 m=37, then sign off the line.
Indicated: h=9 m=46
